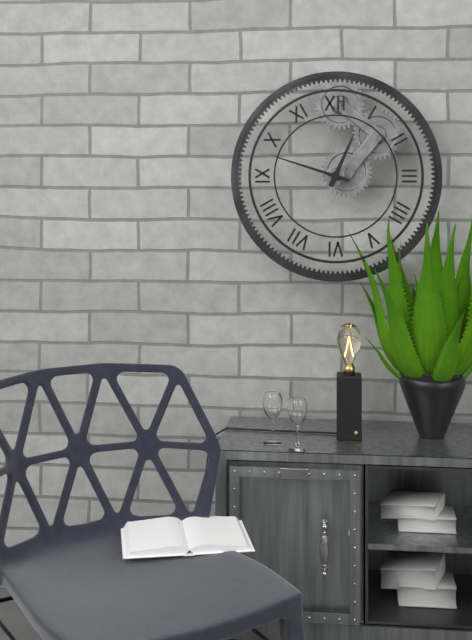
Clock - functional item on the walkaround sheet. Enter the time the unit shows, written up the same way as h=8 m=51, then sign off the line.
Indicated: h=12 m=48
